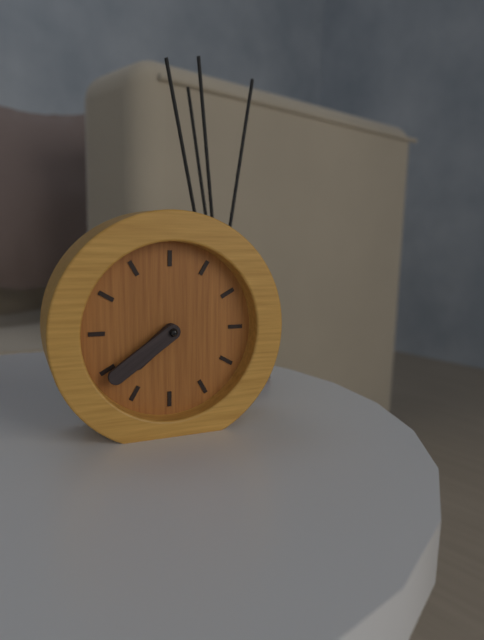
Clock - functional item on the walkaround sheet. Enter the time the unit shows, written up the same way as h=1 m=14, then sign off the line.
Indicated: h=7 m=39
